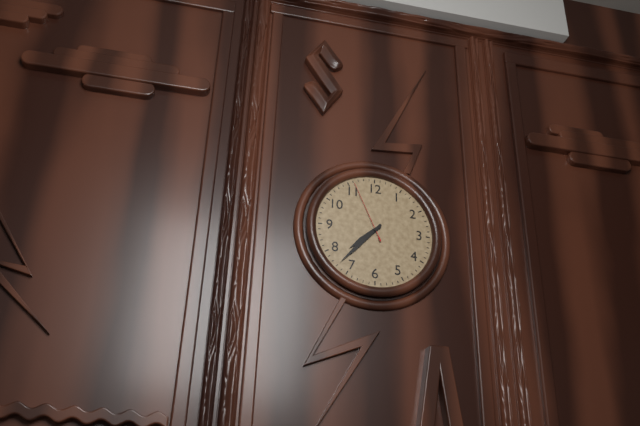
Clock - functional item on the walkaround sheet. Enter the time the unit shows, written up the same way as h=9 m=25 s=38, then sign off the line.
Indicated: h=7 m=37 s=56
